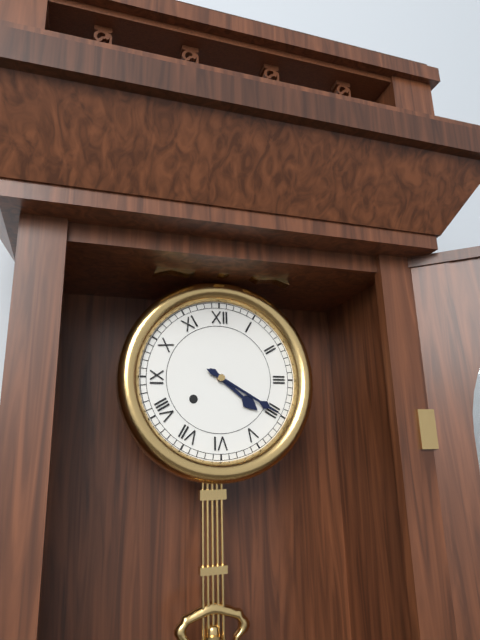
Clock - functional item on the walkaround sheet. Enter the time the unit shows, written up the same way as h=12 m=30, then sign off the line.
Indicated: h=4 m=20
